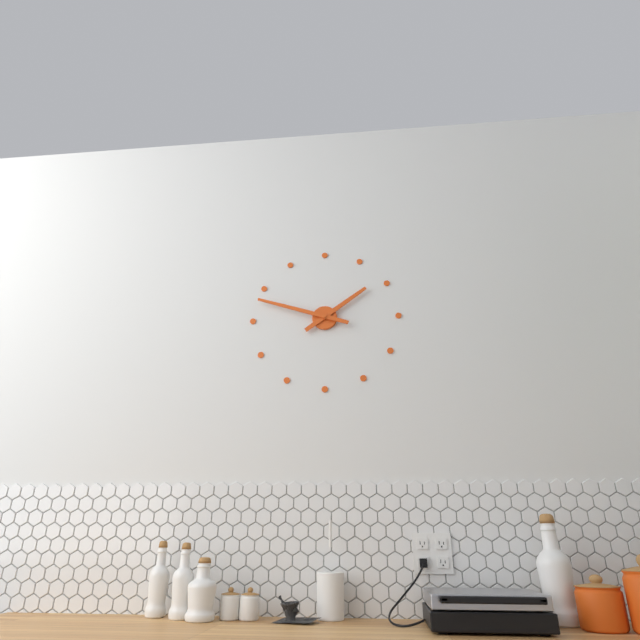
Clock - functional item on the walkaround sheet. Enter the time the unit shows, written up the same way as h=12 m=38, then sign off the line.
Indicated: h=1 m=48
